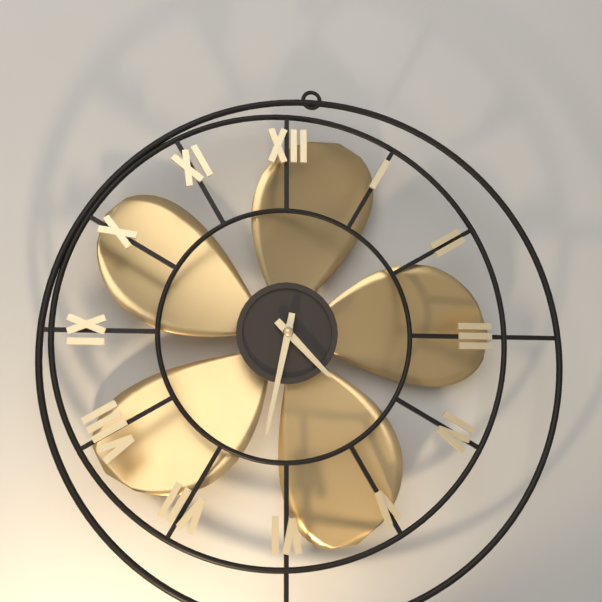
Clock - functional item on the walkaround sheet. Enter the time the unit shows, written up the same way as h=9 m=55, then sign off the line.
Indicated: h=4 m=32
